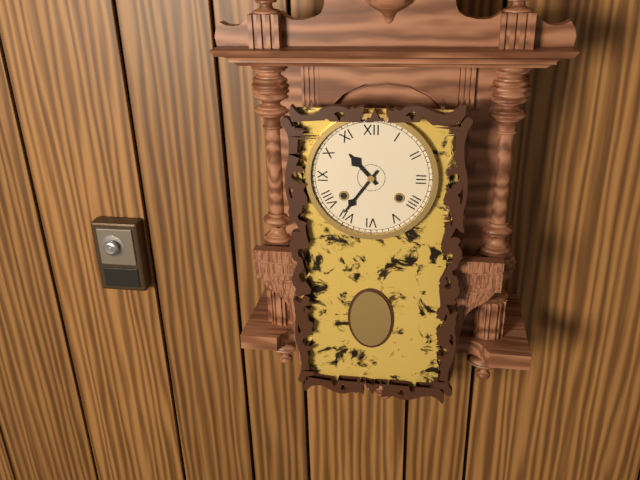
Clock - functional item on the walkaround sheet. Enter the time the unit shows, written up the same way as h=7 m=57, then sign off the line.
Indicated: h=10 m=36
